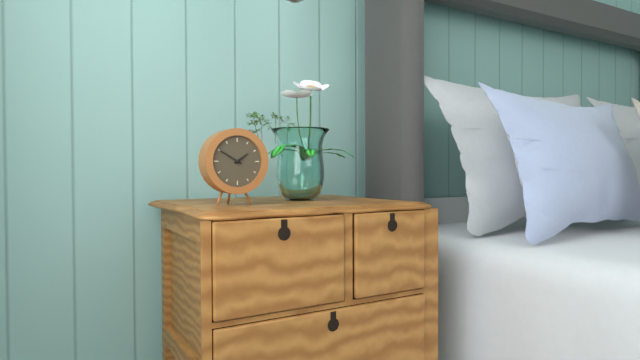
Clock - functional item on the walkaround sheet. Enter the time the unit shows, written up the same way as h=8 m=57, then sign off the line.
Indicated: h=1 m=50
